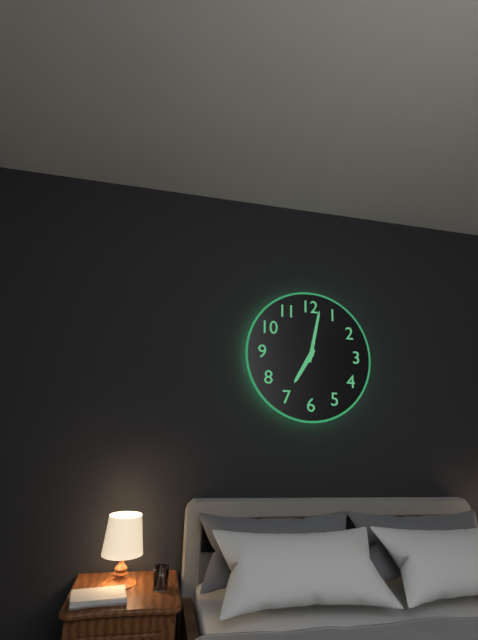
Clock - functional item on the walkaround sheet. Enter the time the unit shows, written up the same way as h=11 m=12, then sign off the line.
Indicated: h=7 m=2
